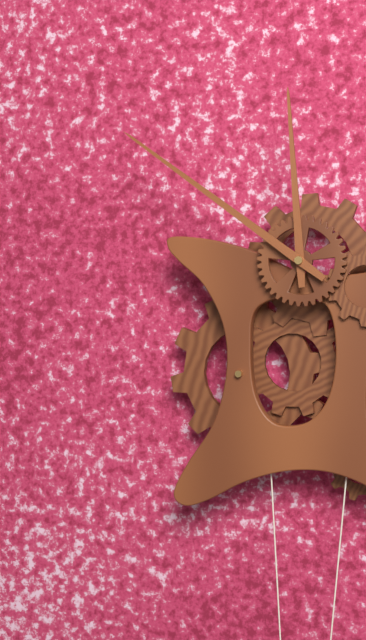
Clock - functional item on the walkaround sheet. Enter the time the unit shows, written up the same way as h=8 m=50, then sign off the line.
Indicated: h=11 m=51
